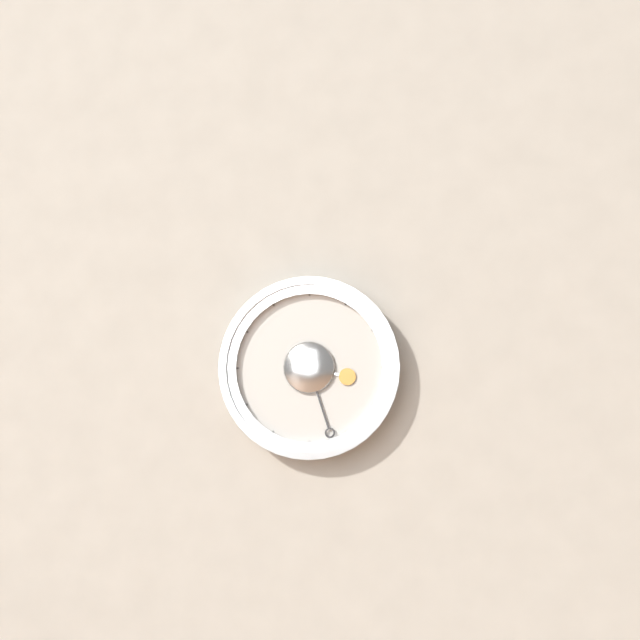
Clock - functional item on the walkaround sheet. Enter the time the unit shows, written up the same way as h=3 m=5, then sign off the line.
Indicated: h=3 m=27
